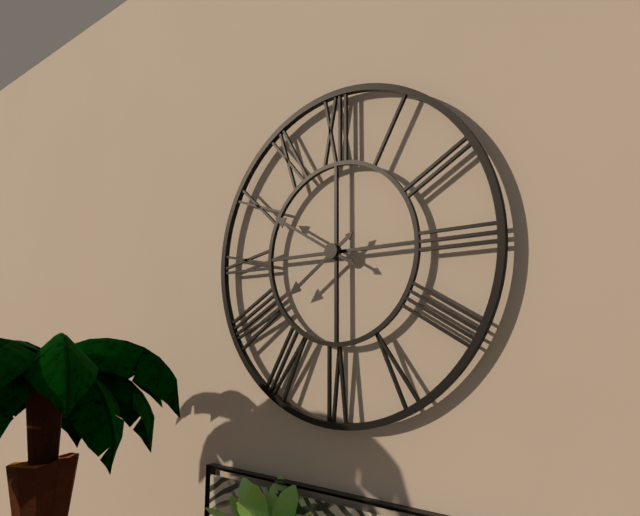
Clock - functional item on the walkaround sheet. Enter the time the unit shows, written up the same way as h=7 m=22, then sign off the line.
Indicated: h=7 m=50
